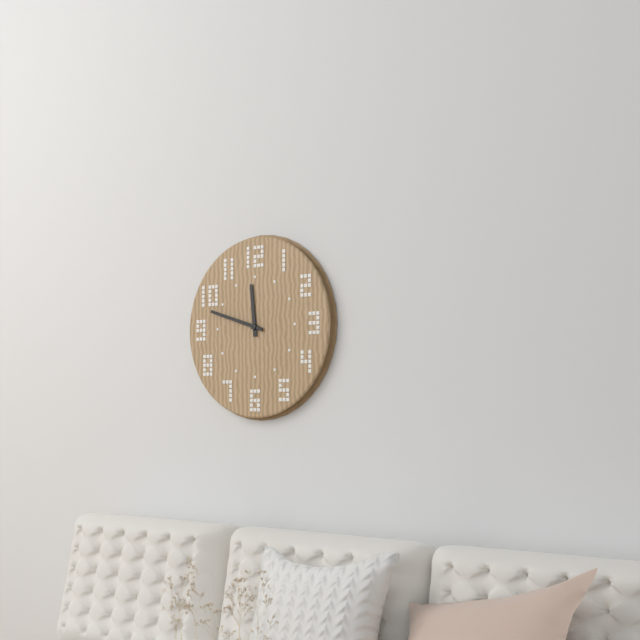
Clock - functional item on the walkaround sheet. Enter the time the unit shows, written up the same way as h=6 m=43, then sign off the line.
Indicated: h=11 m=48
